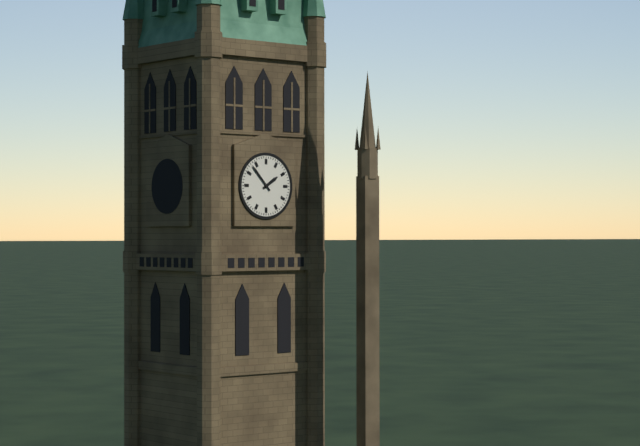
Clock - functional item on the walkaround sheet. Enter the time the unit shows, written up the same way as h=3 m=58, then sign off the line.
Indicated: h=1 m=53
